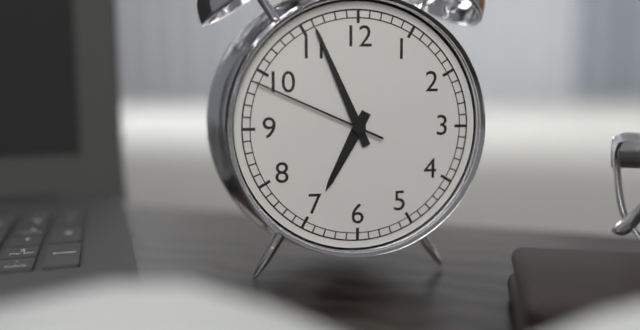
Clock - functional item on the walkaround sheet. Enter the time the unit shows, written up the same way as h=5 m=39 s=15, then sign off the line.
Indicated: h=6 m=56 s=49
